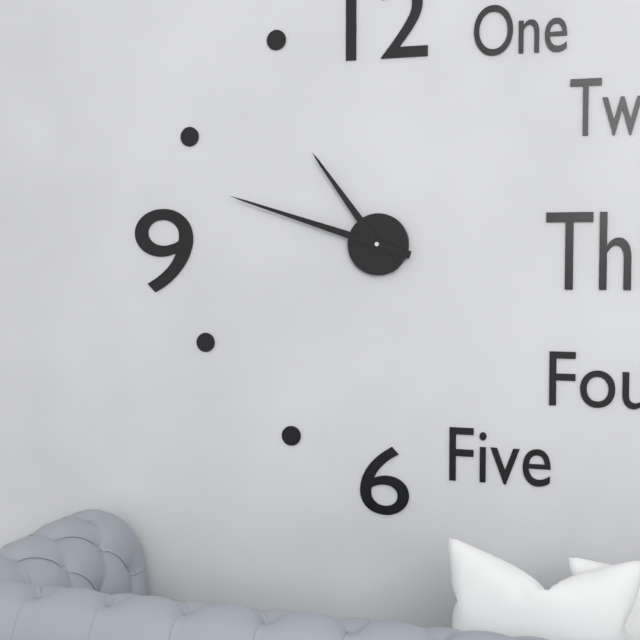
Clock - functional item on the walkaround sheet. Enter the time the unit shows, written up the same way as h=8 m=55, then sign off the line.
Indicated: h=10 m=48
